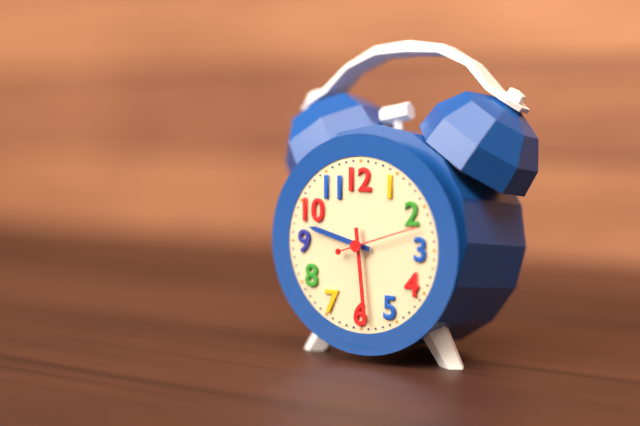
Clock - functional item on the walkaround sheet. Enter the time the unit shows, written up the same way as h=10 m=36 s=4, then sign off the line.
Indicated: h=9 m=29 s=12
